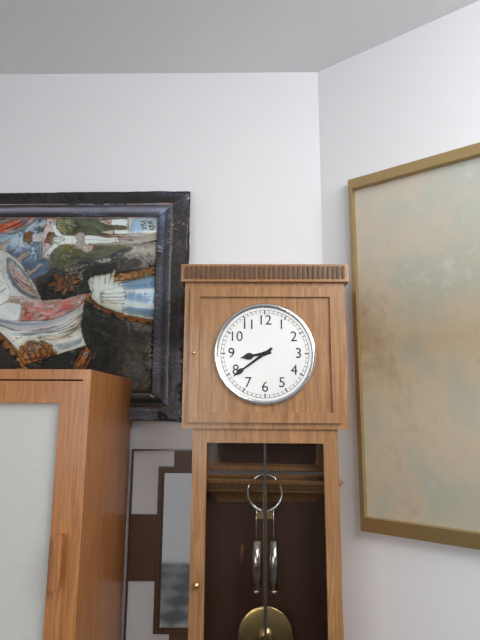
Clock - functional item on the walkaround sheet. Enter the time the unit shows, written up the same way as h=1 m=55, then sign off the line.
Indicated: h=8 m=39
